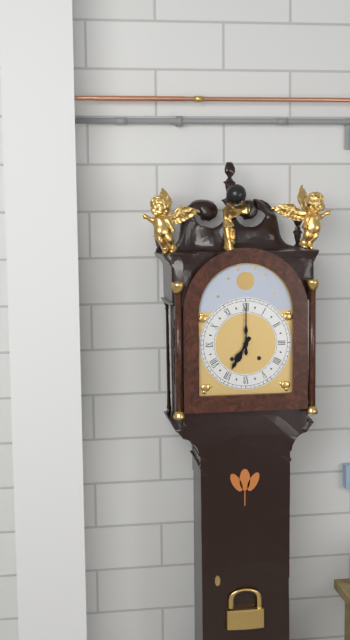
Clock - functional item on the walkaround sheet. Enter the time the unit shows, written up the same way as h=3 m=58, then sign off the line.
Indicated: h=7 m=0
